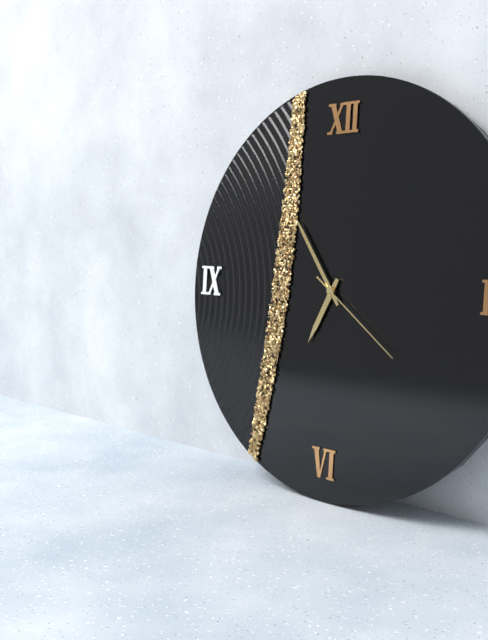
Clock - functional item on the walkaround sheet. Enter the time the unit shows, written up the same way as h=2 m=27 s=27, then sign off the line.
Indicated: h=6 m=54 s=21
